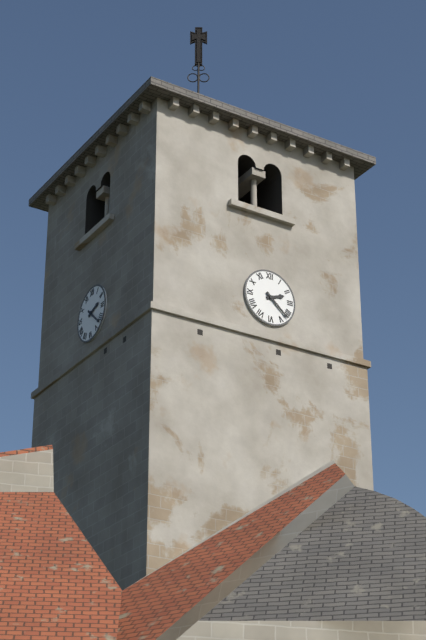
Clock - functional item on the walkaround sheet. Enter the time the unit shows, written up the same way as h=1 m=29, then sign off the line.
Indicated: h=2 m=22
